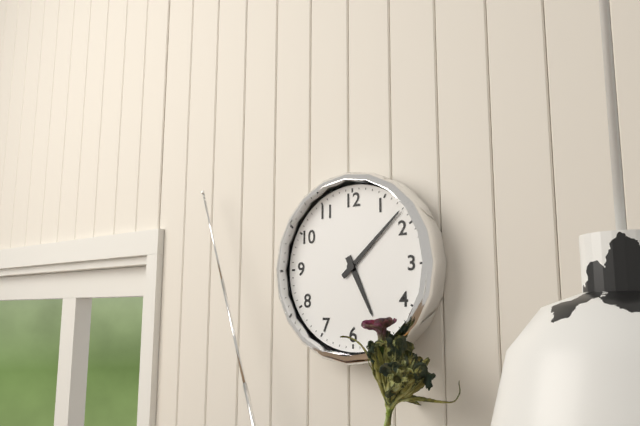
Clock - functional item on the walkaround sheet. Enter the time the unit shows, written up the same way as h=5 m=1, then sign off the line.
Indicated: h=5 m=8
